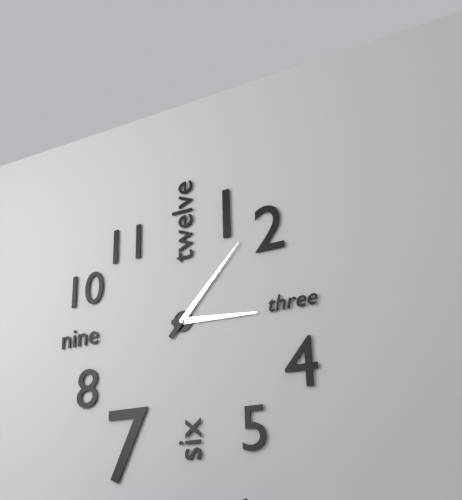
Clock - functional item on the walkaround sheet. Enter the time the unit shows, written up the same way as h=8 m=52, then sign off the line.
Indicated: h=3 m=7
